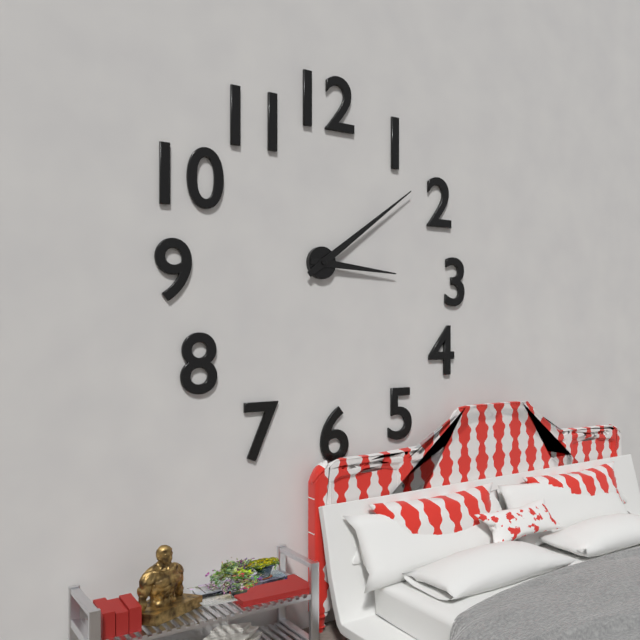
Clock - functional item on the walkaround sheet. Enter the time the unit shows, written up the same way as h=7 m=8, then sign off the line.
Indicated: h=3 m=9
